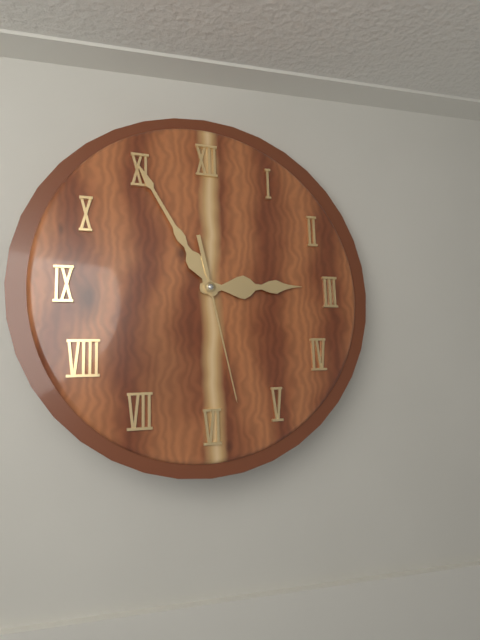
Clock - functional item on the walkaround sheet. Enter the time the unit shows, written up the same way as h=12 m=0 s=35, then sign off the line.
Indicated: h=2 m=55 s=28
